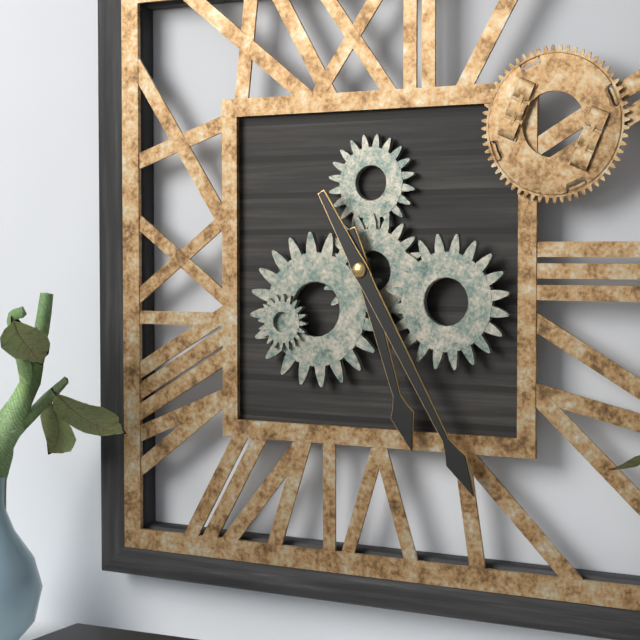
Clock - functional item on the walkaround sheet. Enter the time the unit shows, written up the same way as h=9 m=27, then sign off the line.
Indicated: h=5 m=25
